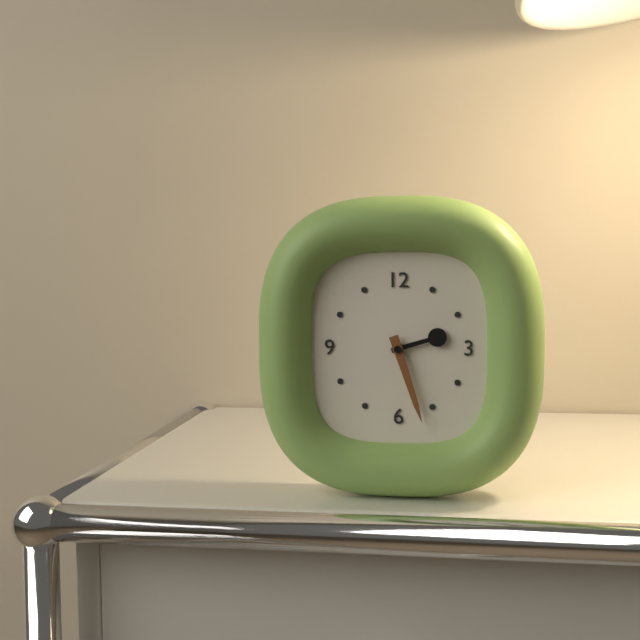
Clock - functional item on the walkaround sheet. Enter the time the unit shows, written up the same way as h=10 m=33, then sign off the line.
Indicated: h=2 m=27
